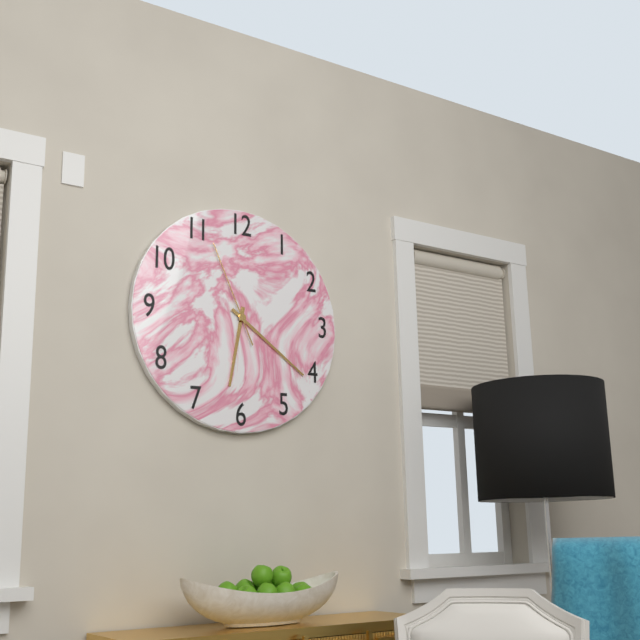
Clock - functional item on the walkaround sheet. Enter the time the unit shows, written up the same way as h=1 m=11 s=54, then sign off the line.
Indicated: h=6 m=21 s=56
